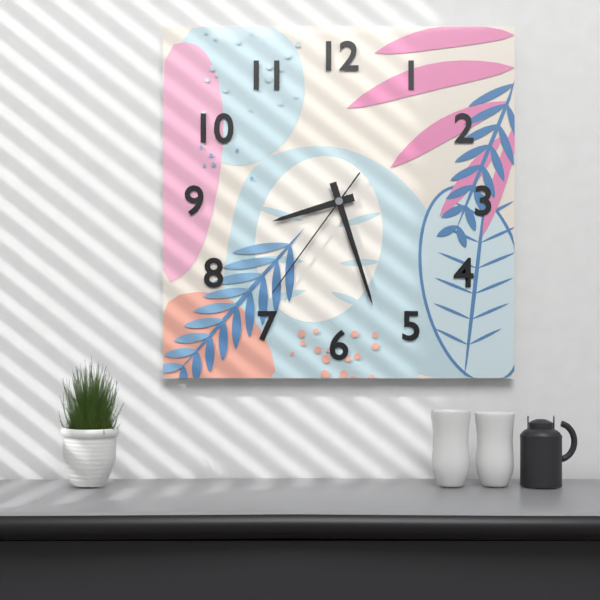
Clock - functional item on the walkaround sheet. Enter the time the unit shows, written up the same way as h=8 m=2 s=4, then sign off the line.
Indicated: h=8 m=27 s=36
